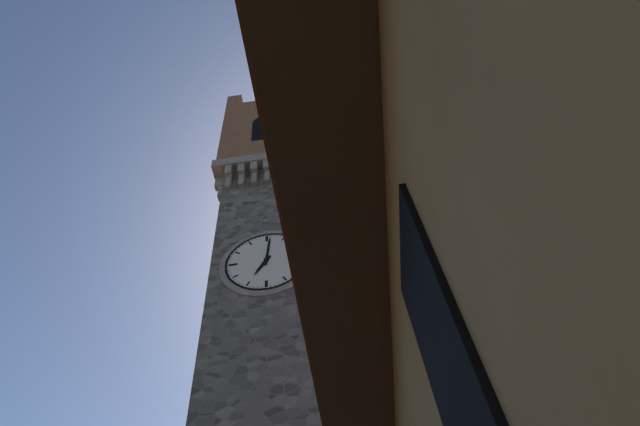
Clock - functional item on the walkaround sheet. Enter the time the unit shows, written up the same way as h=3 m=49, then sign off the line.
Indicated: h=7 m=1
